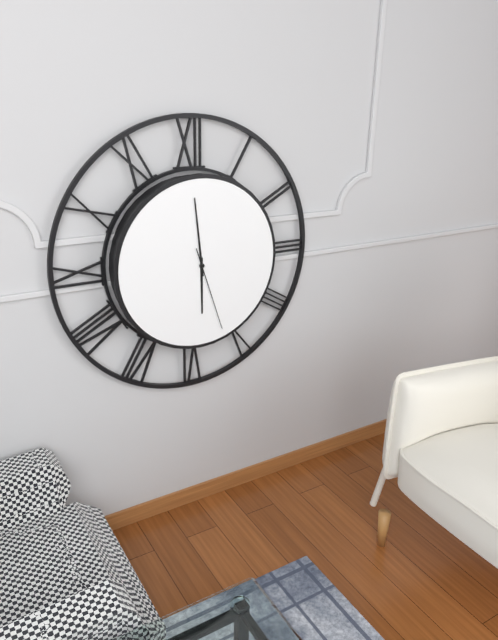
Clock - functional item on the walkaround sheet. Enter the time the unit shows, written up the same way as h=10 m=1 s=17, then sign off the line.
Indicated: h=5 m=59 s=27
